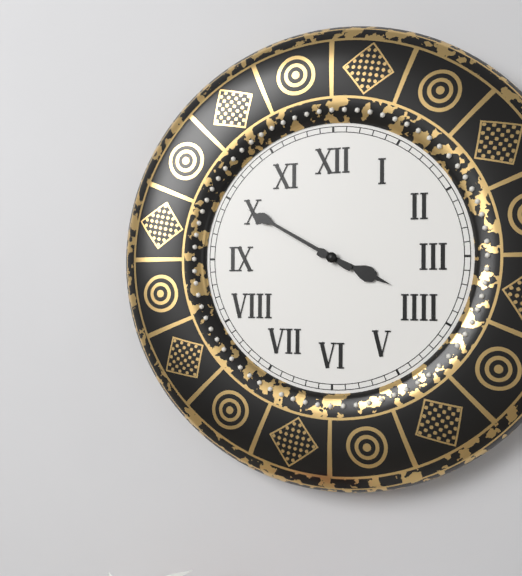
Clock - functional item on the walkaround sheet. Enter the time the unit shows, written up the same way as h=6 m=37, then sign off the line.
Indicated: h=3 m=50
